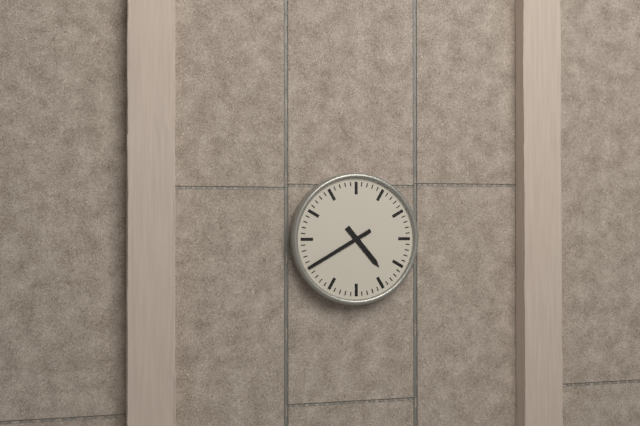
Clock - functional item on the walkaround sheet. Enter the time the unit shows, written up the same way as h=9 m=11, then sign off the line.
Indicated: h=4 m=40
